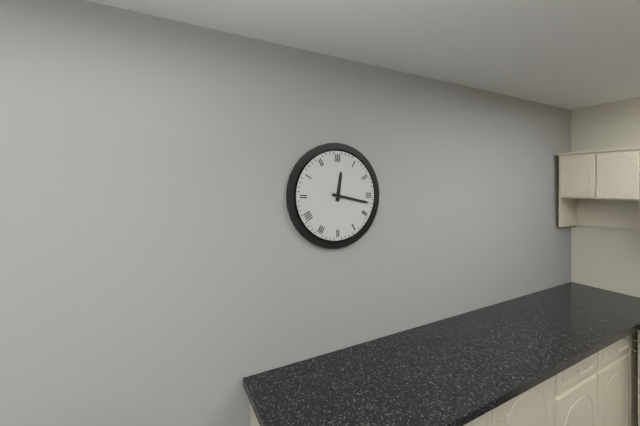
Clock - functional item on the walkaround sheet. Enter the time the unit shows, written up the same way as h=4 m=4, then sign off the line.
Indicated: h=12 m=17
